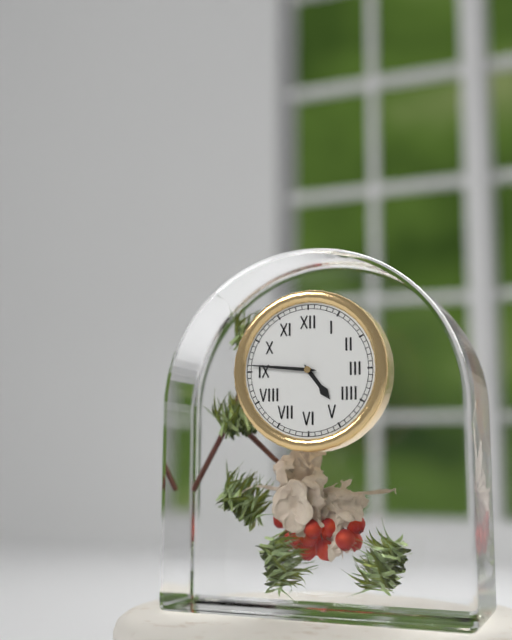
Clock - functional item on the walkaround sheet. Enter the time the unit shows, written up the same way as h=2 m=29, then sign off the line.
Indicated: h=4 m=46
